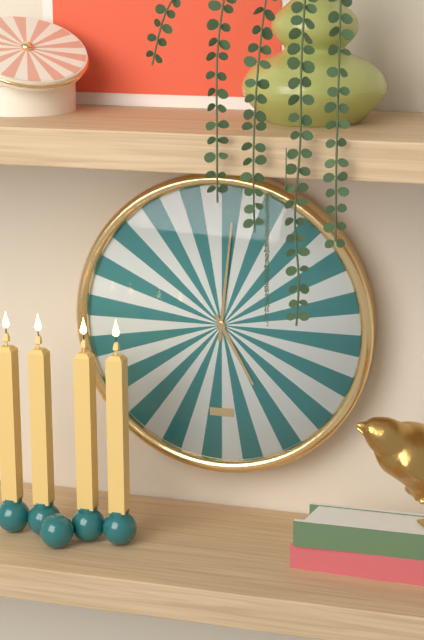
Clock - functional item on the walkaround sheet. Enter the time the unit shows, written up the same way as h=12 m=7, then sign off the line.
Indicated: h=5 m=1
